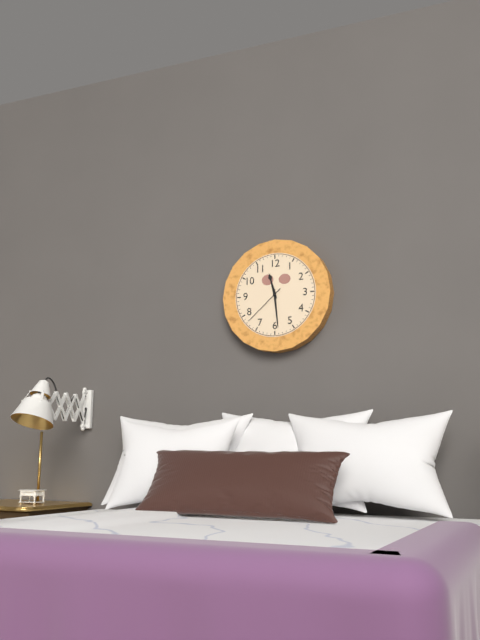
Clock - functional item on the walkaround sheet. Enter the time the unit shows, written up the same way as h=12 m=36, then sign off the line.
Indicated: h=11 m=29
